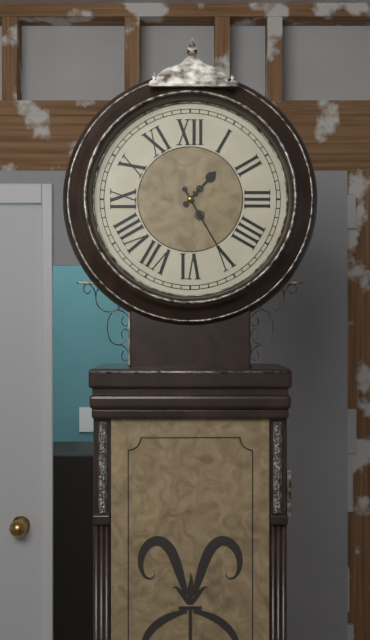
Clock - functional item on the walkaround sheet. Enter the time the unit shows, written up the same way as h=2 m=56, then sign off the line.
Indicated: h=1 m=25
